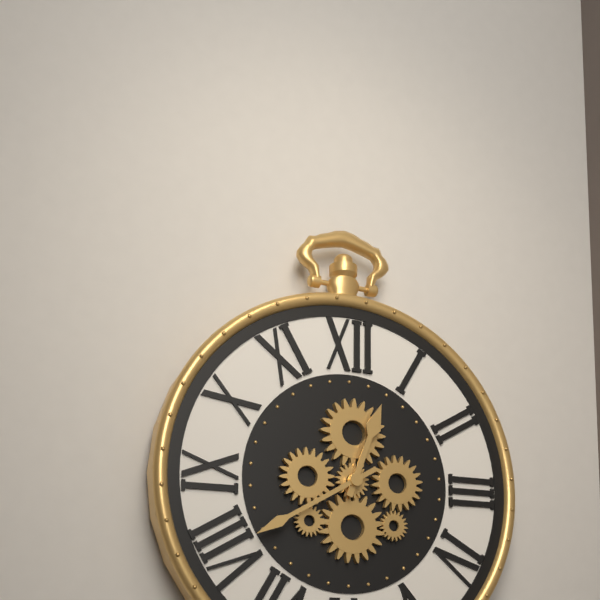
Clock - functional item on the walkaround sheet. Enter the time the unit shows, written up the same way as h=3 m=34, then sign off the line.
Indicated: h=12 m=40
